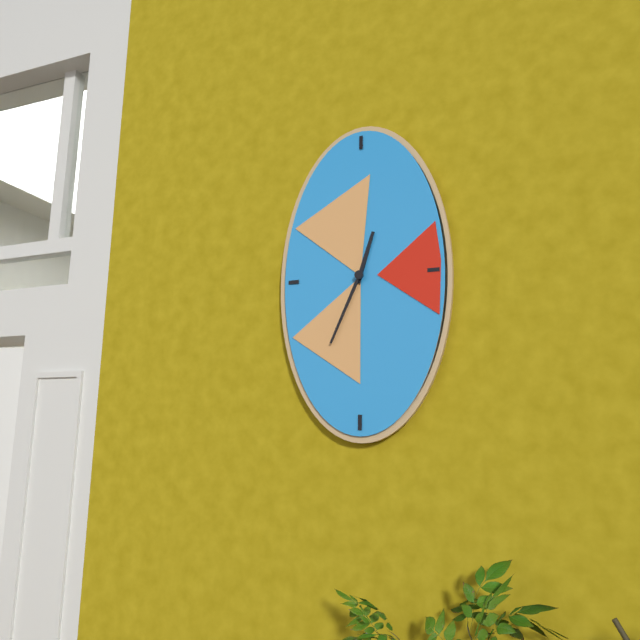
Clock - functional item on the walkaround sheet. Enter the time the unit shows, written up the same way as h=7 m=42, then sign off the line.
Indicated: h=12 m=34
